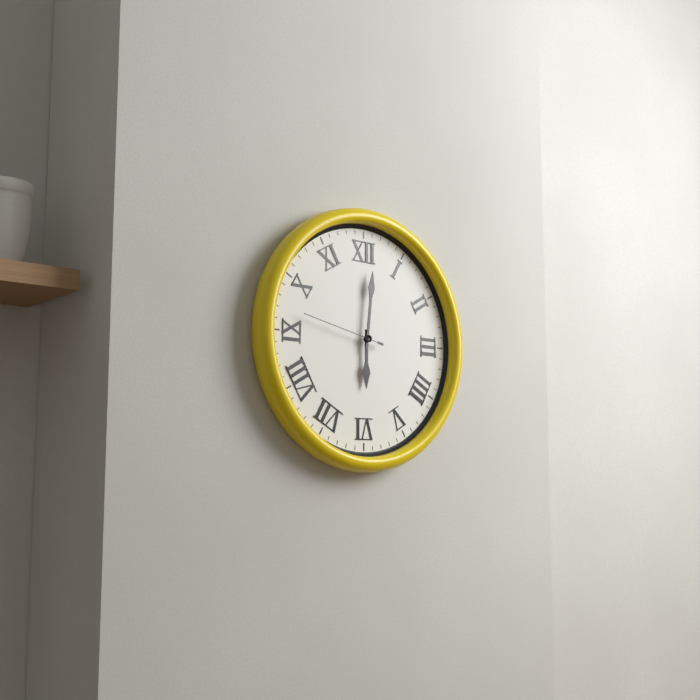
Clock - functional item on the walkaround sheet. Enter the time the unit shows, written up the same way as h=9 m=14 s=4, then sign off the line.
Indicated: h=6 m=1 s=47
